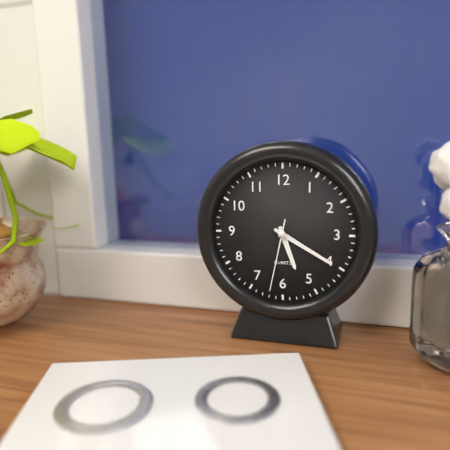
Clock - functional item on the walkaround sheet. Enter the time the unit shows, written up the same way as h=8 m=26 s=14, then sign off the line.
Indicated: h=5 m=20 s=32
